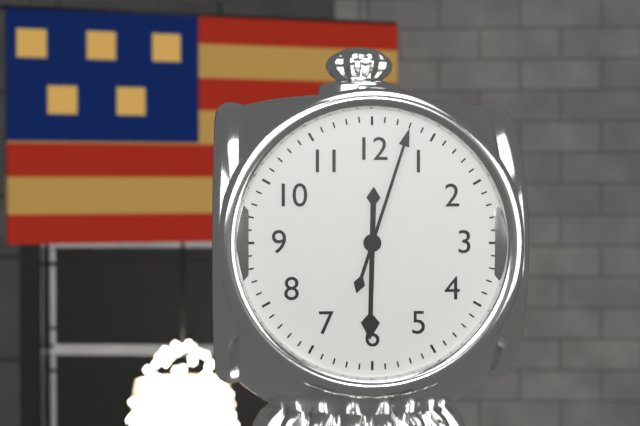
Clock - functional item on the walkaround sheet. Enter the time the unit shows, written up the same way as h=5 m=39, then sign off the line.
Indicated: h=6 m=3
